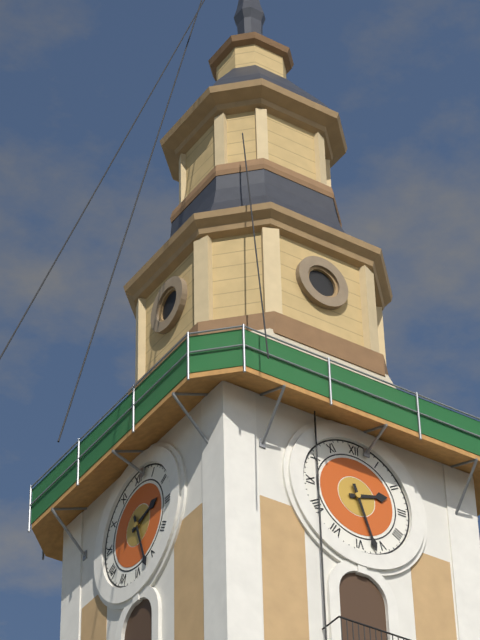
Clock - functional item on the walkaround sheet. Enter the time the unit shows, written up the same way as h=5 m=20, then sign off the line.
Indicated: h=2 m=27
